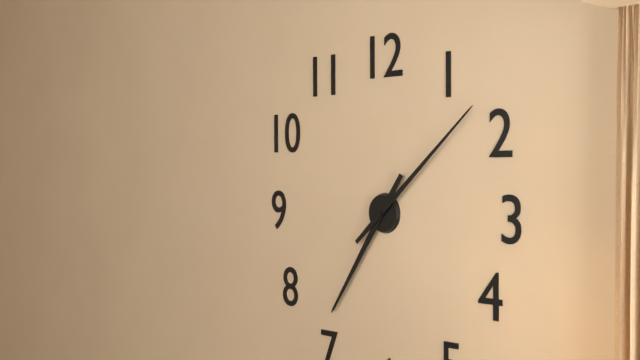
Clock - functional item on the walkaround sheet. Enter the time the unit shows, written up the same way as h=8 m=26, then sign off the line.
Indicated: h=7 m=8
